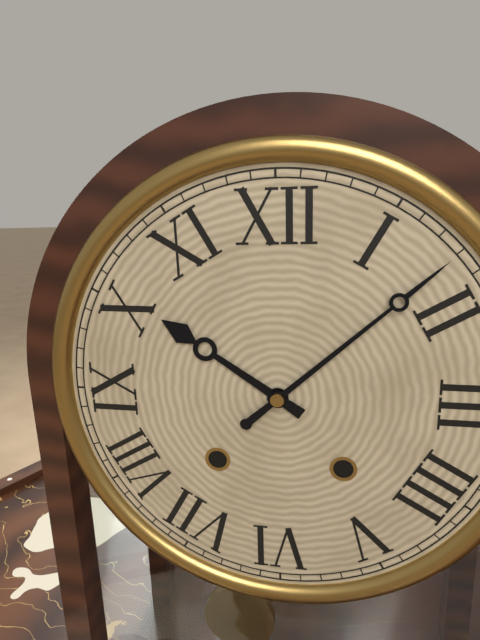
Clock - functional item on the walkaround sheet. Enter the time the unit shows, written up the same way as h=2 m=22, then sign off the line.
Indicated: h=10 m=8
